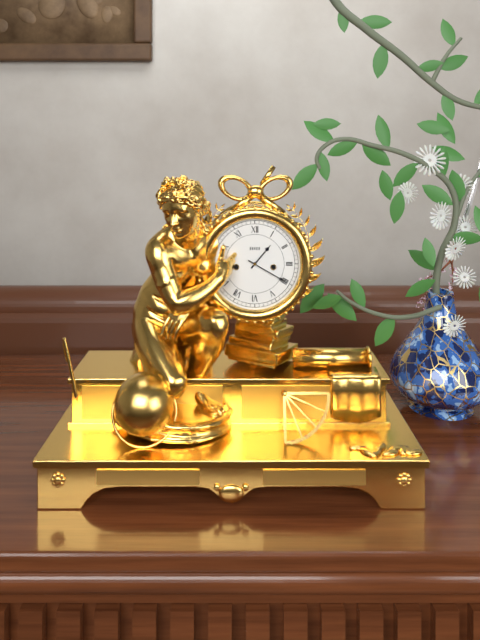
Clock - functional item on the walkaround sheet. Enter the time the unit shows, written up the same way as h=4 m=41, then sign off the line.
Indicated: h=1 m=20
